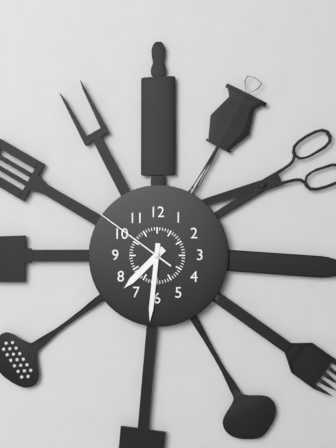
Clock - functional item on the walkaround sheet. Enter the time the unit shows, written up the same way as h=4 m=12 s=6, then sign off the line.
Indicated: h=7 m=31 s=51
